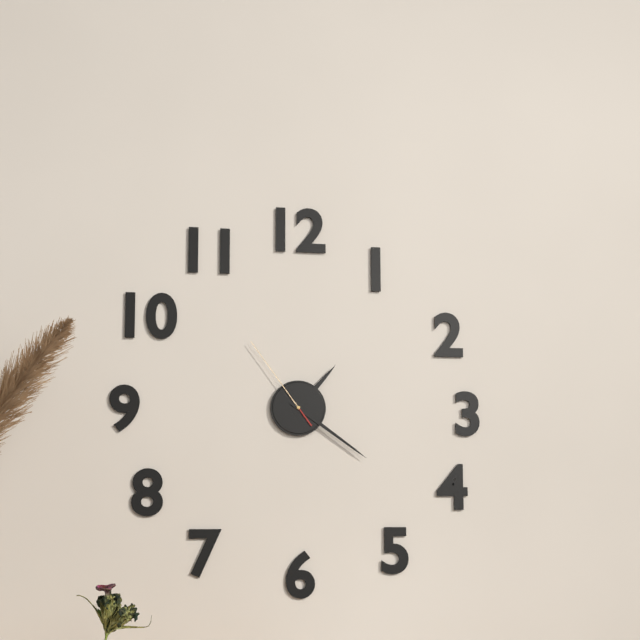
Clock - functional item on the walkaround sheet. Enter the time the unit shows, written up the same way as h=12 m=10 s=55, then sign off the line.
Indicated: h=1 m=21 s=54
